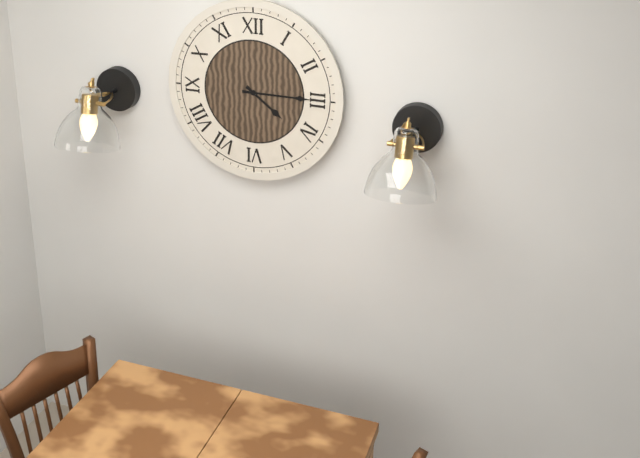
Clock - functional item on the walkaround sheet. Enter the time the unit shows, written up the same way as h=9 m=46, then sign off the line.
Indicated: h=4 m=15
